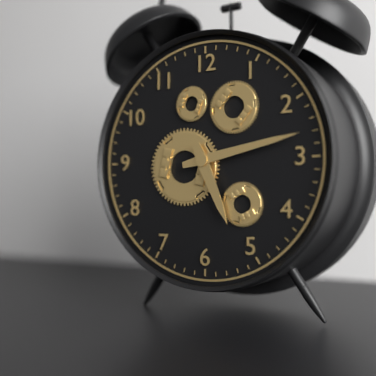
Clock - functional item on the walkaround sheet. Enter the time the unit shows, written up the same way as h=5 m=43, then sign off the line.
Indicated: h=5 m=13
